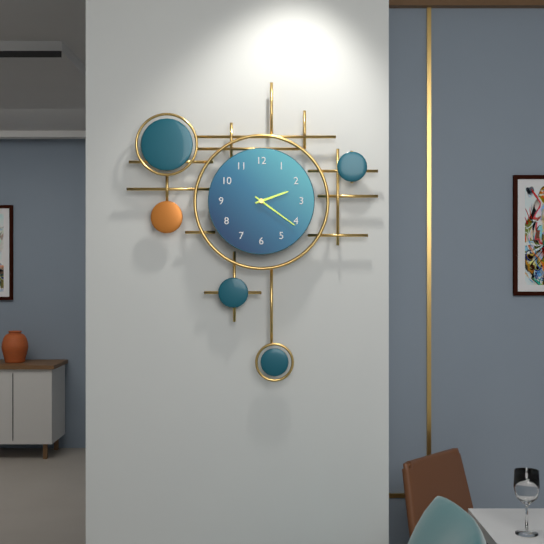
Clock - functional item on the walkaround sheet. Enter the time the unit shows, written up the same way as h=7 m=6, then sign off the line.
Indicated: h=2 m=21
